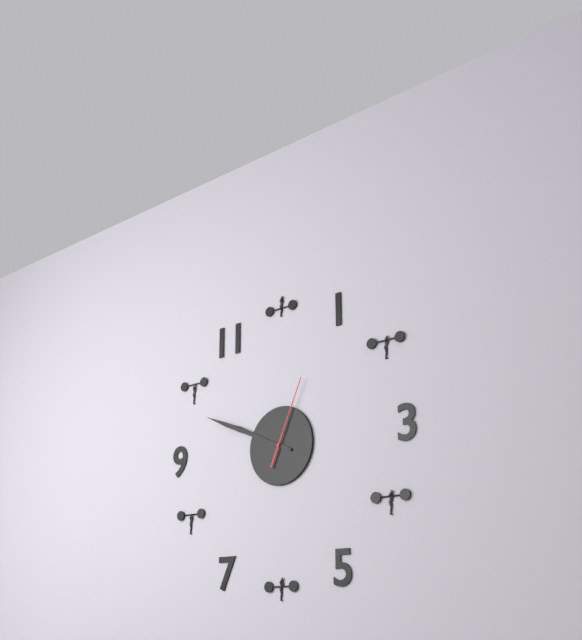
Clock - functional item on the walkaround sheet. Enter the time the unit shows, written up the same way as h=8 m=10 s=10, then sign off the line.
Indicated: h=9 m=49 s=4
